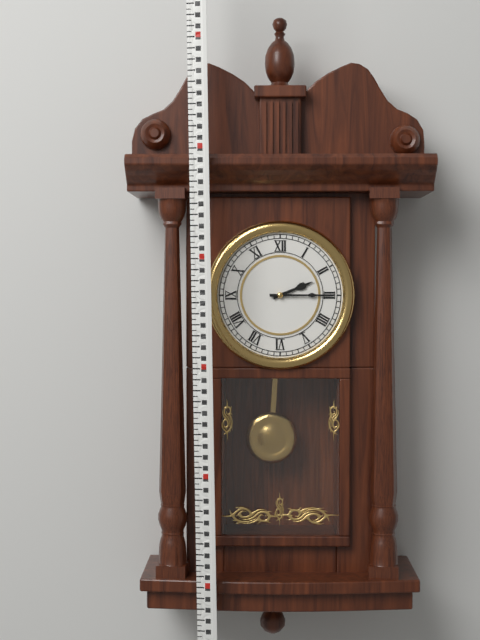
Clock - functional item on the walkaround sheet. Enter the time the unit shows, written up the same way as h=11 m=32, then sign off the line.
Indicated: h=2 m=15
